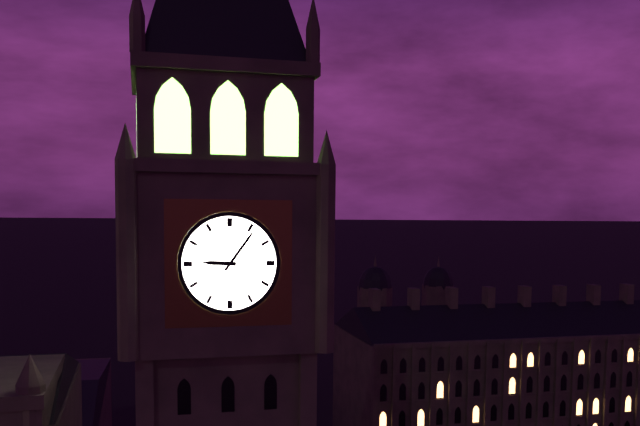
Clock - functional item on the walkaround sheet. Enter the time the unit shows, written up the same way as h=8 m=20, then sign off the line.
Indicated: h=9 m=6
